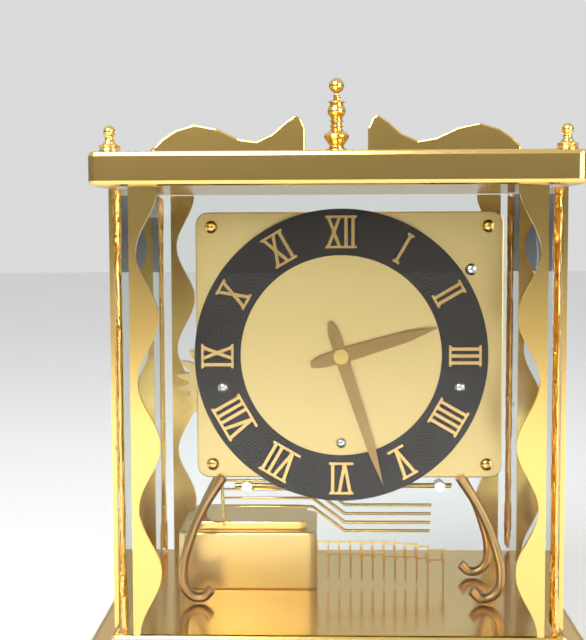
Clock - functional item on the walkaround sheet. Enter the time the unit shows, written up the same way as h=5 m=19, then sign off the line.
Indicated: h=2 m=27
